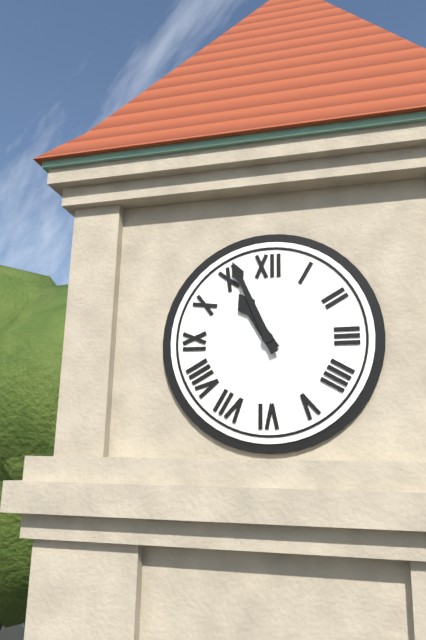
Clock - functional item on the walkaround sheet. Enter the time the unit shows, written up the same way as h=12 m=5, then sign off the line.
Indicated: h=10 m=56
